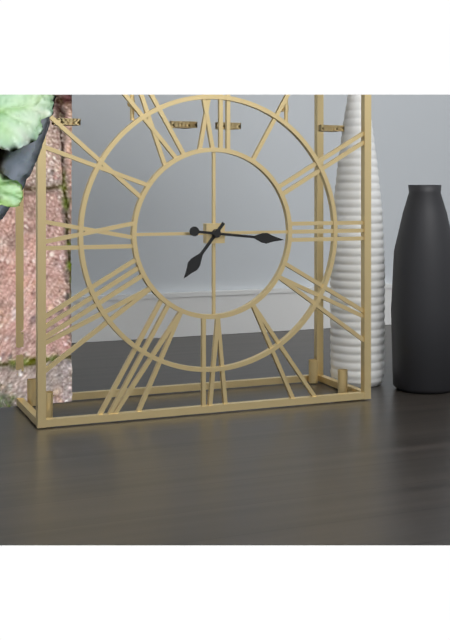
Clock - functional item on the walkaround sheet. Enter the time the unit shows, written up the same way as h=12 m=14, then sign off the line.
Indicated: h=7 m=16
